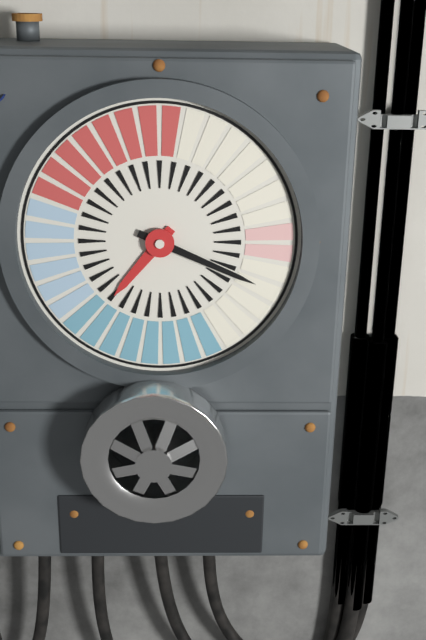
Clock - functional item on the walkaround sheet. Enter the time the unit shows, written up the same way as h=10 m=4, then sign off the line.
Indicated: h=7 m=19
